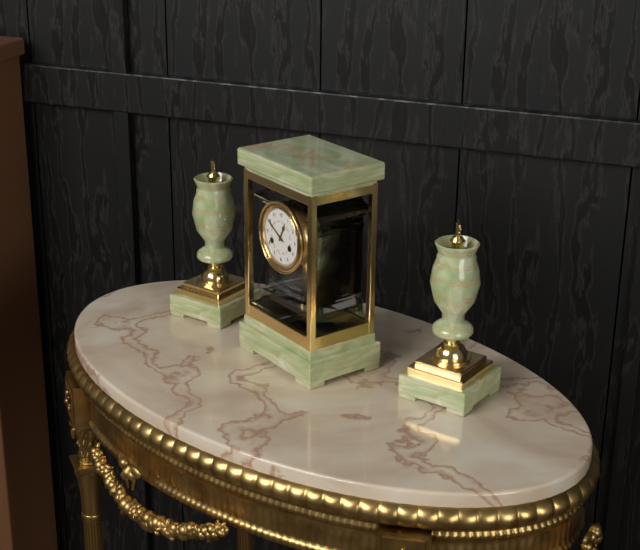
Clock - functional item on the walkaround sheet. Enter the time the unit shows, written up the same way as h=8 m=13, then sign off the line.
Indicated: h=12 m=50
